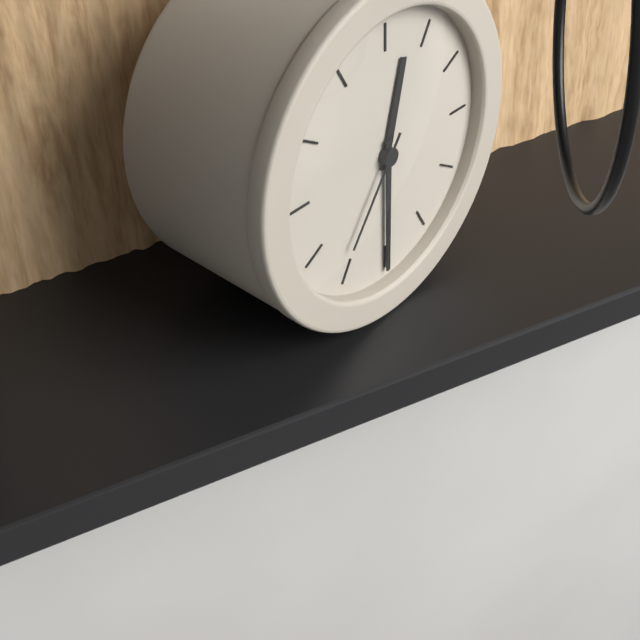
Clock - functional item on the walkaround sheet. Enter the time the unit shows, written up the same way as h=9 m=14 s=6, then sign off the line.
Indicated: h=12 m=30 s=36
